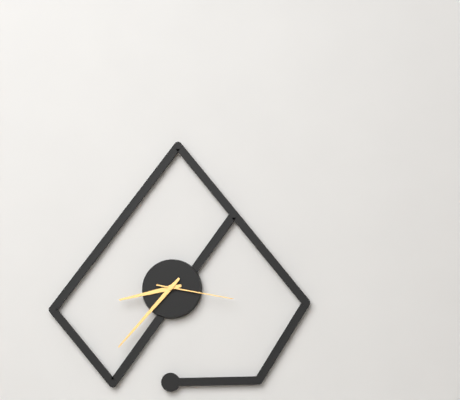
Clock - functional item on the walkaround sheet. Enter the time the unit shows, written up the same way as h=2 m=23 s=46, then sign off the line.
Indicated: h=8 m=37 s=17
